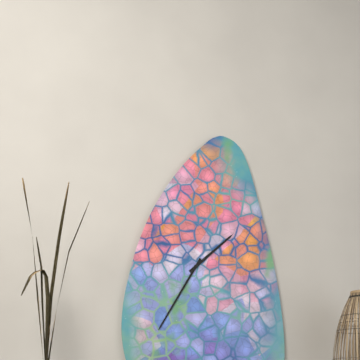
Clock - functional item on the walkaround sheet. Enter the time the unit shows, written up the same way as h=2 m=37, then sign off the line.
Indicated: h=1 m=35
